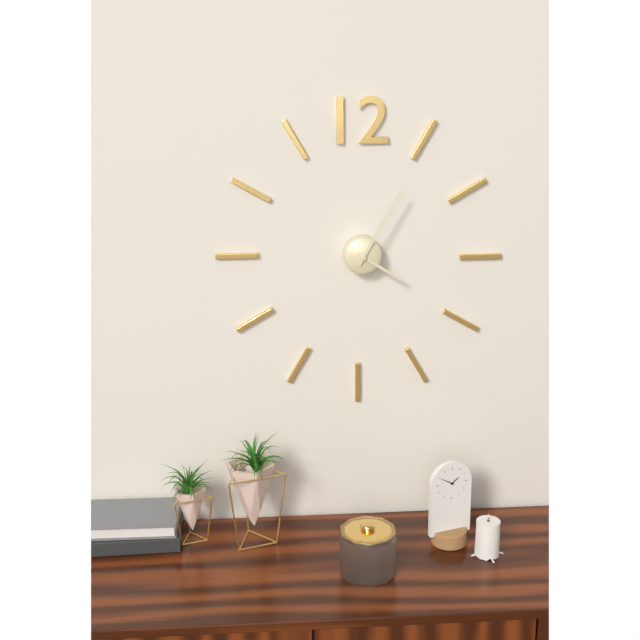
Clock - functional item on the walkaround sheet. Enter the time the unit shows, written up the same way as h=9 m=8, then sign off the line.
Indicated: h=4 m=5
